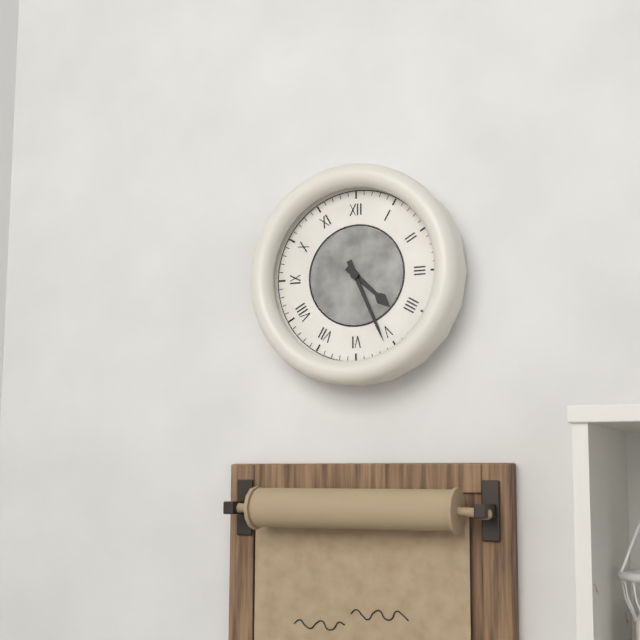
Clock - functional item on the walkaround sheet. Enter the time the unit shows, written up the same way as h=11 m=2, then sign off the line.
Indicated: h=4 m=26
